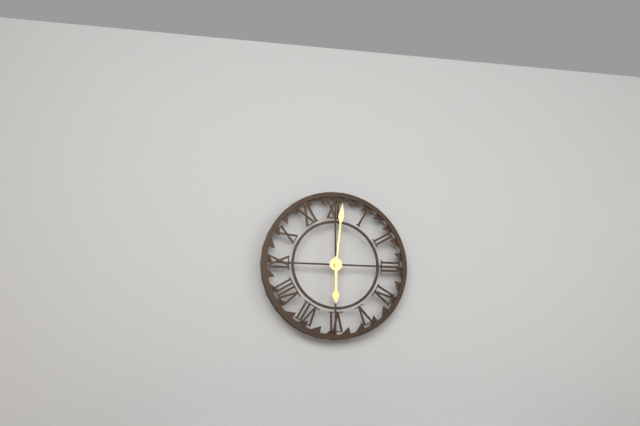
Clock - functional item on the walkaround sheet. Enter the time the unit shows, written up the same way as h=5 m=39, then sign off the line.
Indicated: h=6 m=1
